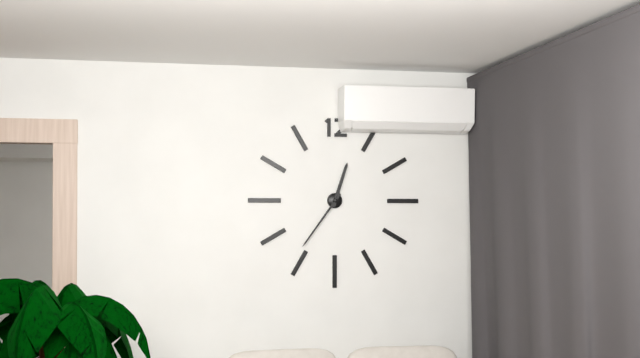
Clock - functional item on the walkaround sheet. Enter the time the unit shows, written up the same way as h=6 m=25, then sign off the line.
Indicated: h=12 m=36
